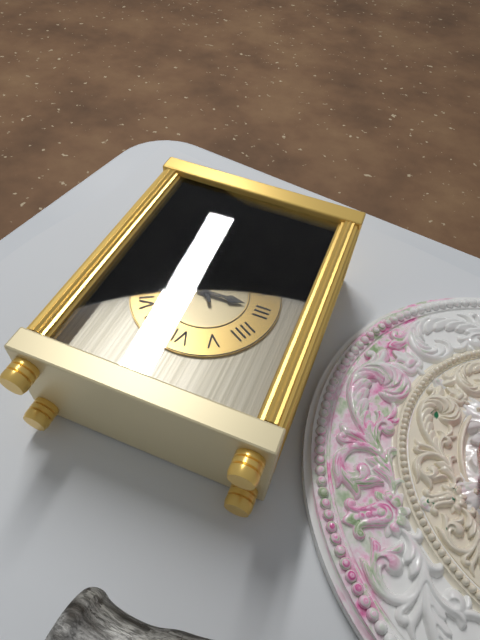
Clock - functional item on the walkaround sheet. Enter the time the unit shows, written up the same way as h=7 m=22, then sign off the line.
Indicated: h=2 m=54
